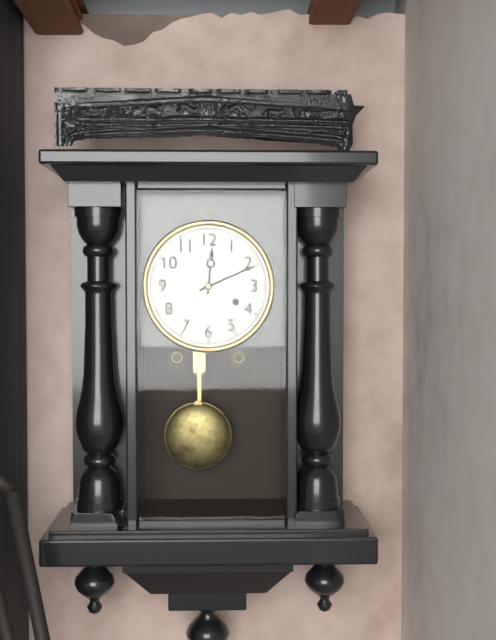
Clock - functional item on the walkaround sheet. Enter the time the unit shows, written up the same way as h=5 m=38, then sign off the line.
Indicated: h=12 m=11
